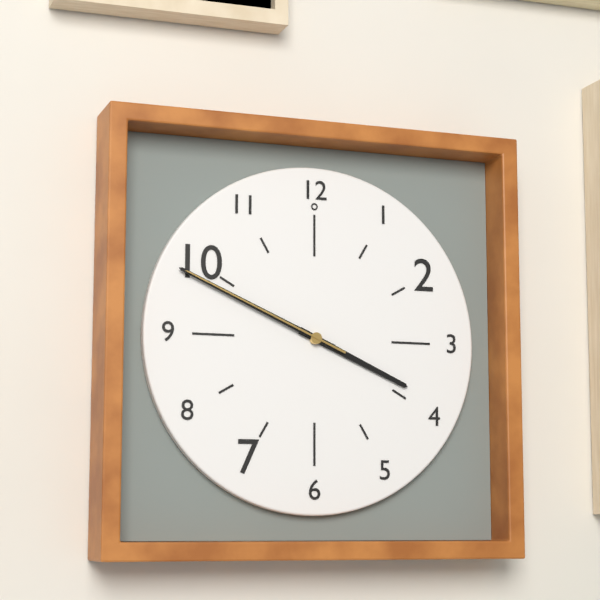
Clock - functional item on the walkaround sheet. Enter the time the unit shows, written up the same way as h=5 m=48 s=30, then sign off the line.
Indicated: h=3 m=49 s=49
